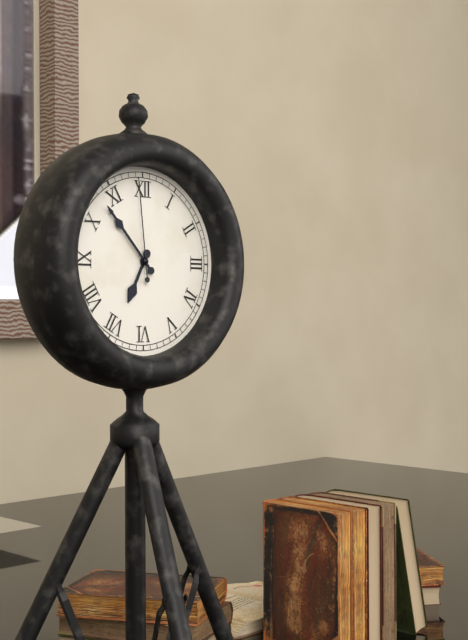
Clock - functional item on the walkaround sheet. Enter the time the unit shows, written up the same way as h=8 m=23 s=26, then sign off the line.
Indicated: h=6 m=53 s=59
